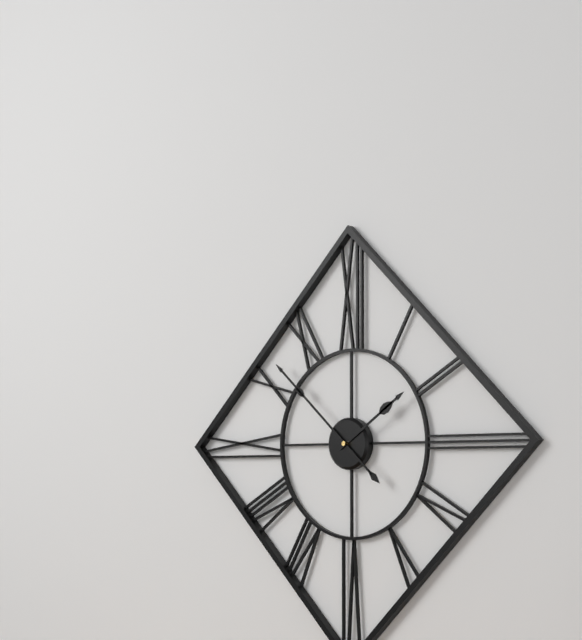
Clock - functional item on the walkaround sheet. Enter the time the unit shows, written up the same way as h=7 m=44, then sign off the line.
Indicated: h=1 m=52
